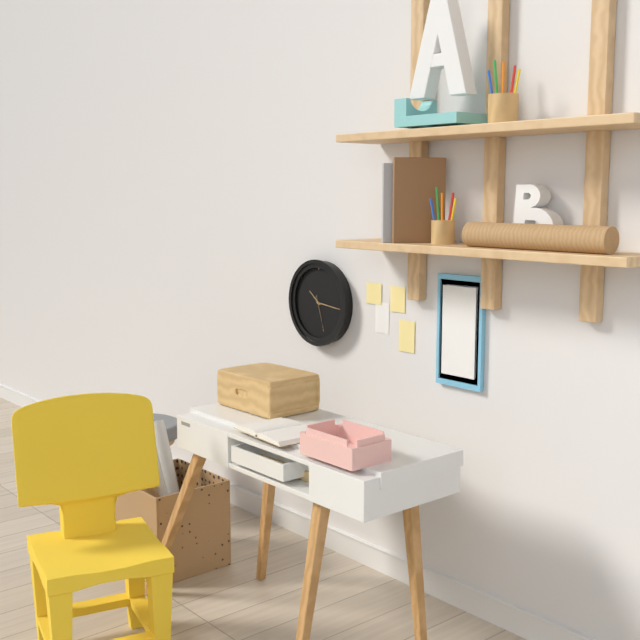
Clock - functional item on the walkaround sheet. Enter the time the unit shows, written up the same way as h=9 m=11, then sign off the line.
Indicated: h=10 m=16
